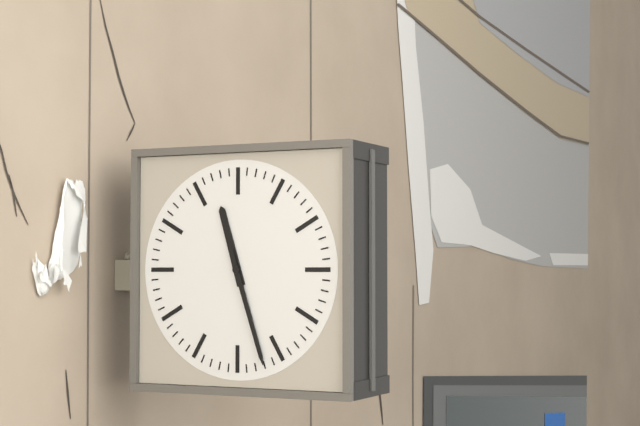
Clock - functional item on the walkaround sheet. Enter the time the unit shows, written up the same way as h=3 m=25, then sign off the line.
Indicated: h=11 m=27
